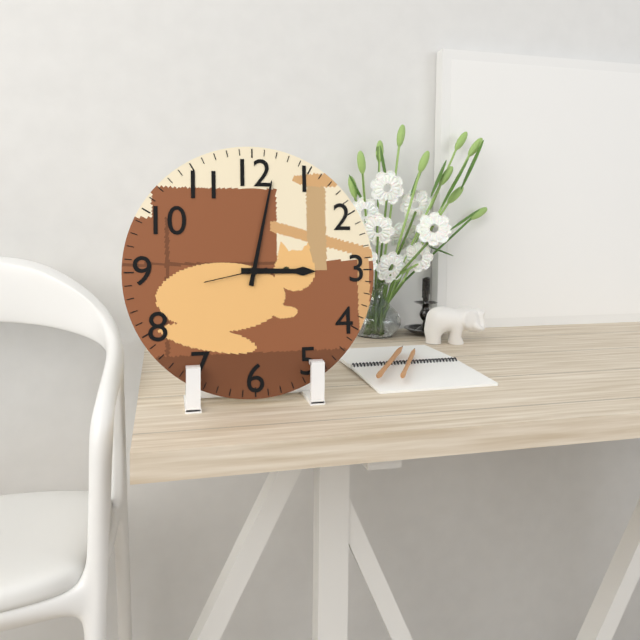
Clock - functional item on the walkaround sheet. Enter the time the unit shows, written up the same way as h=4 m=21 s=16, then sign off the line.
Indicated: h=3 m=2 s=43
